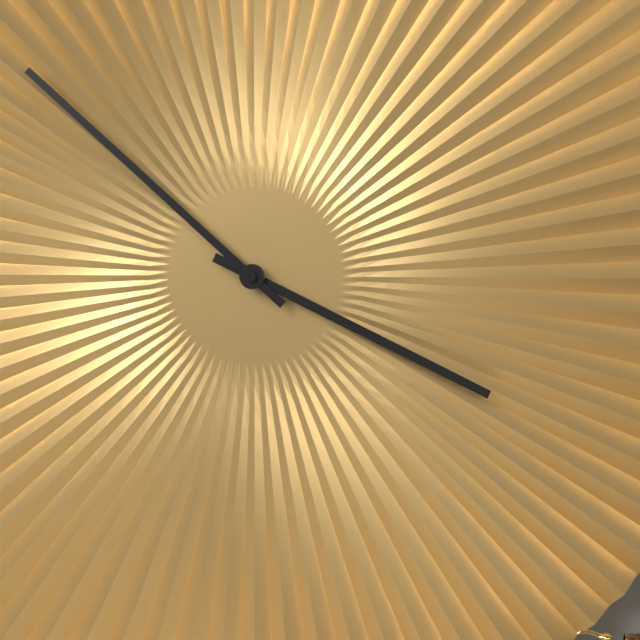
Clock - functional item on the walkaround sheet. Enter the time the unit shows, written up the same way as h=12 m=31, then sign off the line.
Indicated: h=3 m=52
